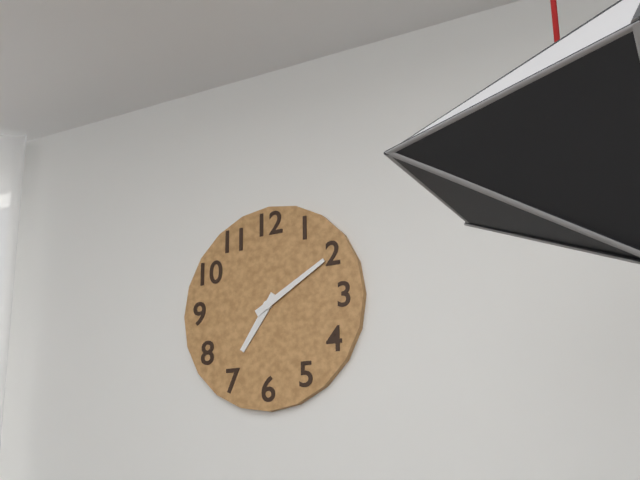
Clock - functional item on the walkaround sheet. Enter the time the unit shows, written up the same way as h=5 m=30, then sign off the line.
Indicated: h=7 m=10
